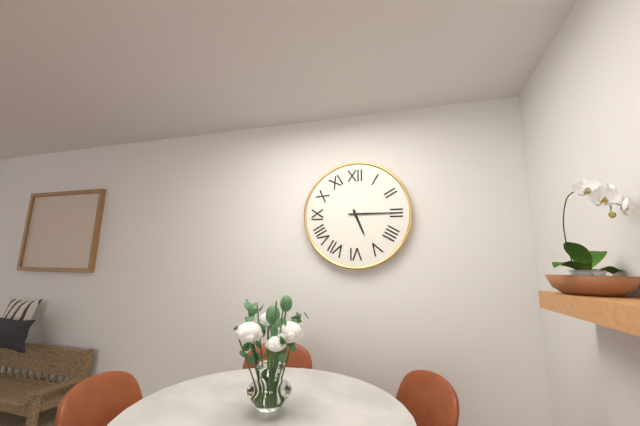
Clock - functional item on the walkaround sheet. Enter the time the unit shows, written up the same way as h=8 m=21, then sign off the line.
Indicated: h=5 m=15
